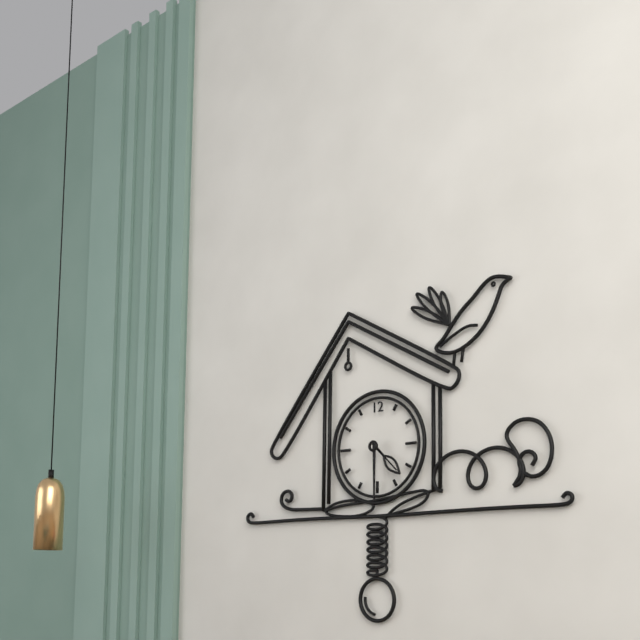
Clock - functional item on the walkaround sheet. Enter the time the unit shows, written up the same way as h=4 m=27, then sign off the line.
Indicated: h=4 m=30
